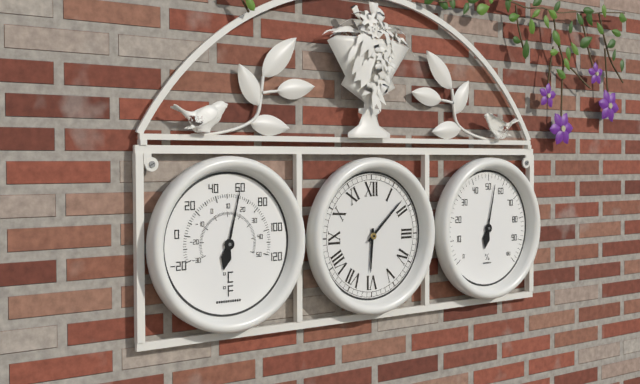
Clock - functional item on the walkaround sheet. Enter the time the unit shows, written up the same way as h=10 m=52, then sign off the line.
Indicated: h=6 m=8
